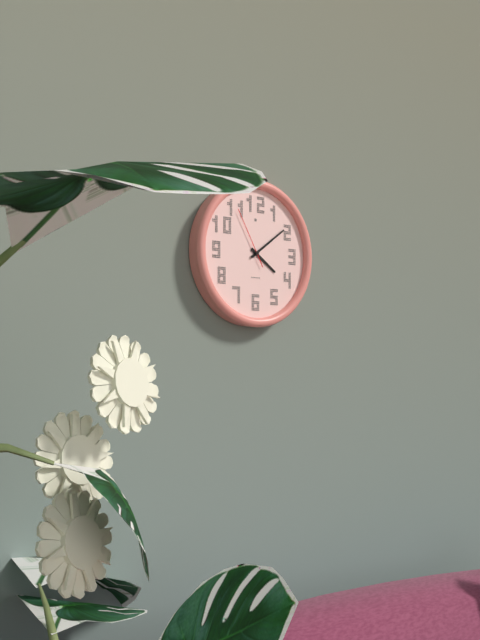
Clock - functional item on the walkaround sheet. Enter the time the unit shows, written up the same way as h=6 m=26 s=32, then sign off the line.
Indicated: h=4 m=9 s=55
